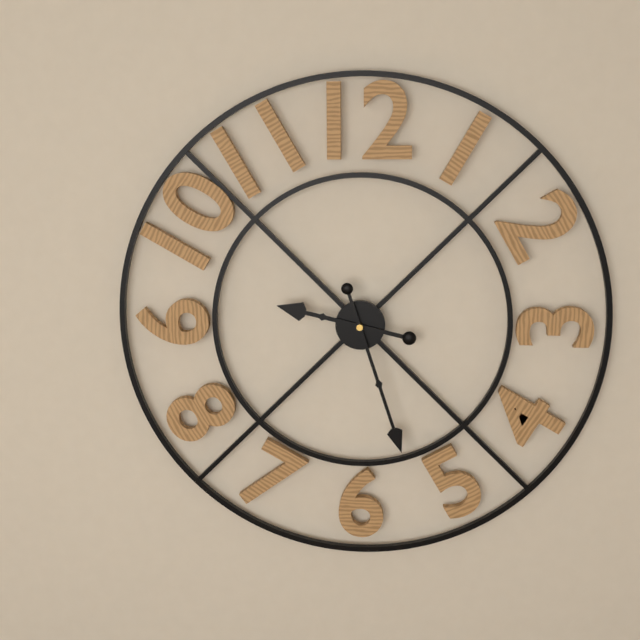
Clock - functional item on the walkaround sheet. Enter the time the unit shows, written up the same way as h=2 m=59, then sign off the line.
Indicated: h=9 m=27
